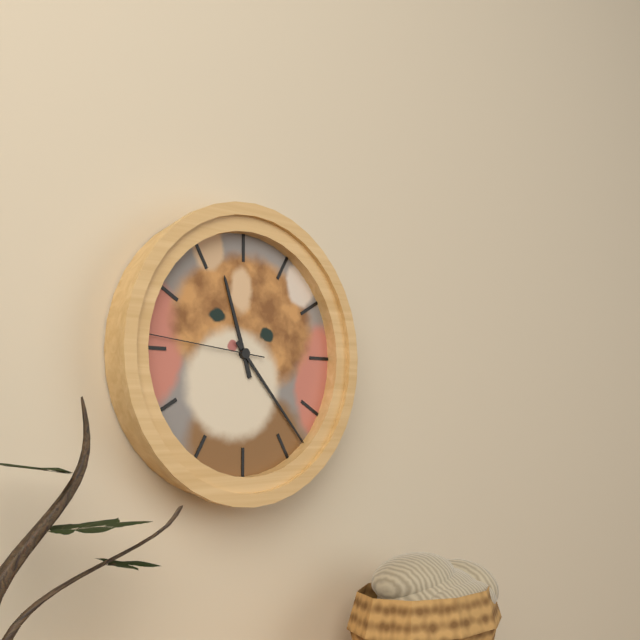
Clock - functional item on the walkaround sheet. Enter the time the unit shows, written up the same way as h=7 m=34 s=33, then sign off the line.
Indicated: h=11 m=23 s=46
